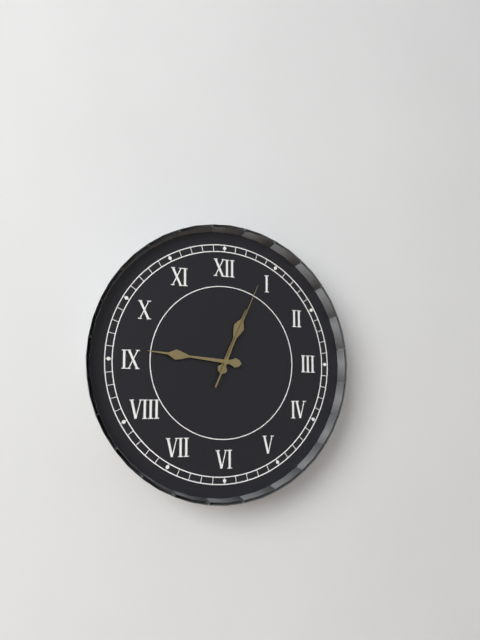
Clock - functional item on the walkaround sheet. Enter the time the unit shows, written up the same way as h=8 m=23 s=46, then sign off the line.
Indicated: h=12 m=46 s=4
